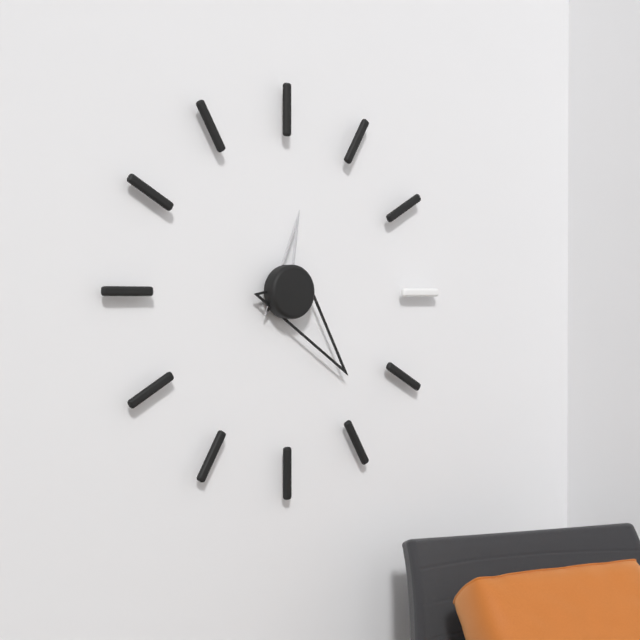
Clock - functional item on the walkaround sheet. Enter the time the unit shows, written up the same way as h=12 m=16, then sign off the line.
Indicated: h=12 m=23
